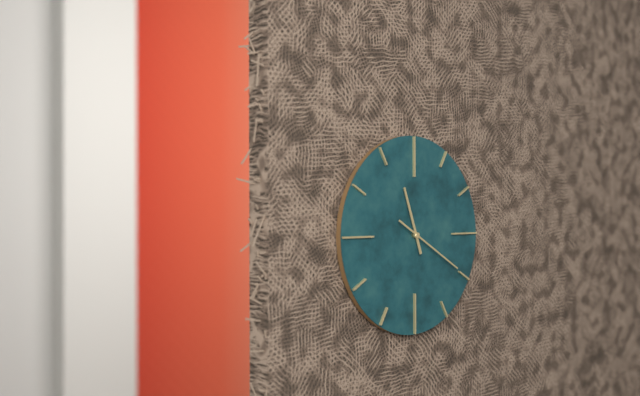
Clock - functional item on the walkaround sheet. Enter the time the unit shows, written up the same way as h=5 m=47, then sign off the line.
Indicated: h=11 m=20
